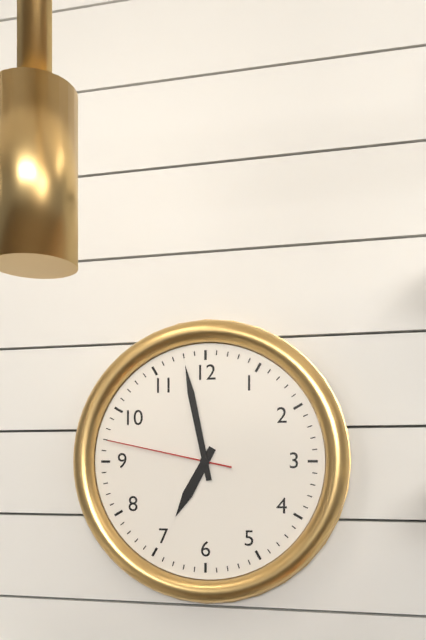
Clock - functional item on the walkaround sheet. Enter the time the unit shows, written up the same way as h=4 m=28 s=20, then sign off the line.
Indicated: h=6 m=58 s=47
